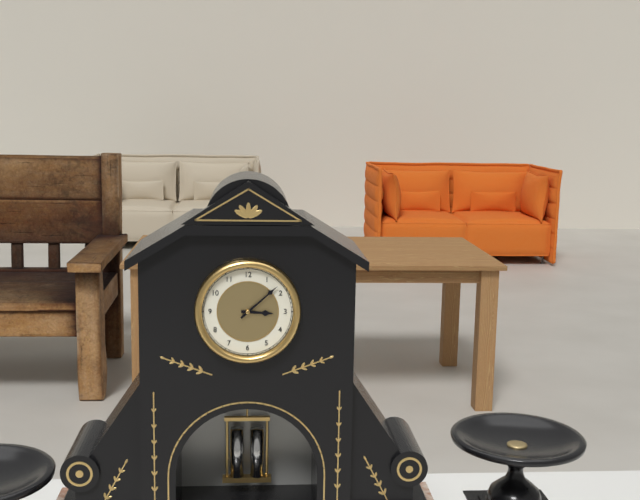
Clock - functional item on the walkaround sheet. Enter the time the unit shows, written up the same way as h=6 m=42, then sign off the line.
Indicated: h=3 m=8
